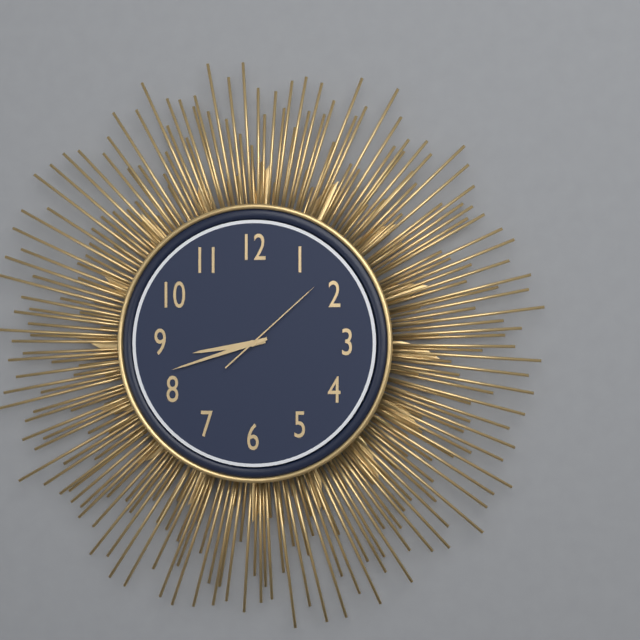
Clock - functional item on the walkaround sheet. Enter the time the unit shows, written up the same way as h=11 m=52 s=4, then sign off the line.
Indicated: h=8 m=42 s=8
